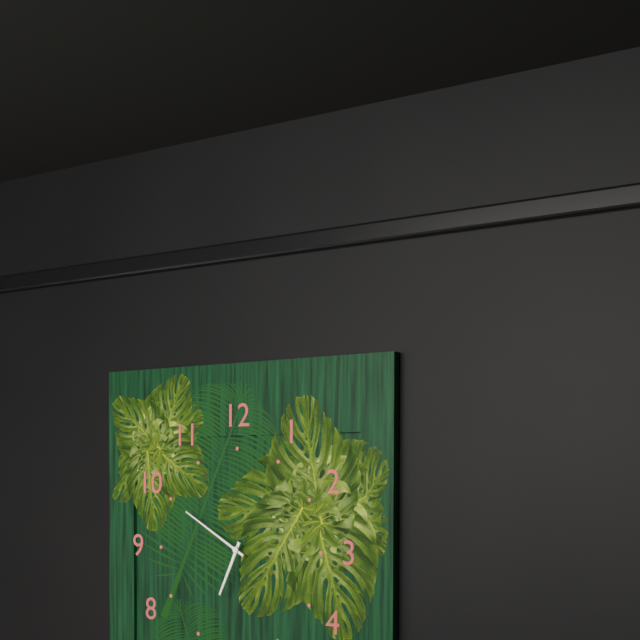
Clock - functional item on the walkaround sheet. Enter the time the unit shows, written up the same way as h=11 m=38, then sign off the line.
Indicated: h=6 m=50
